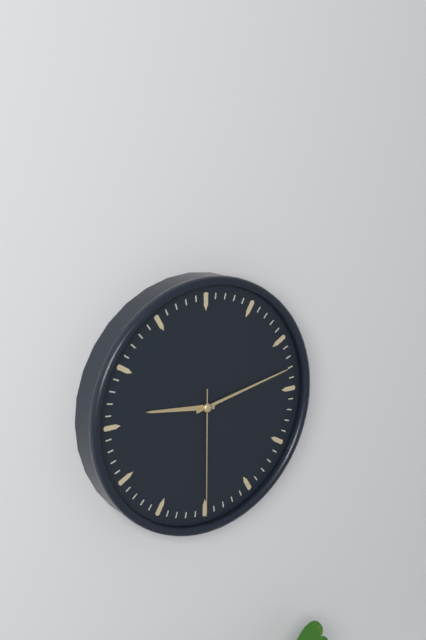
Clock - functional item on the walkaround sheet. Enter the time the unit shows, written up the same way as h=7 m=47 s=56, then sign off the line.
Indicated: h=9 m=13 s=30
